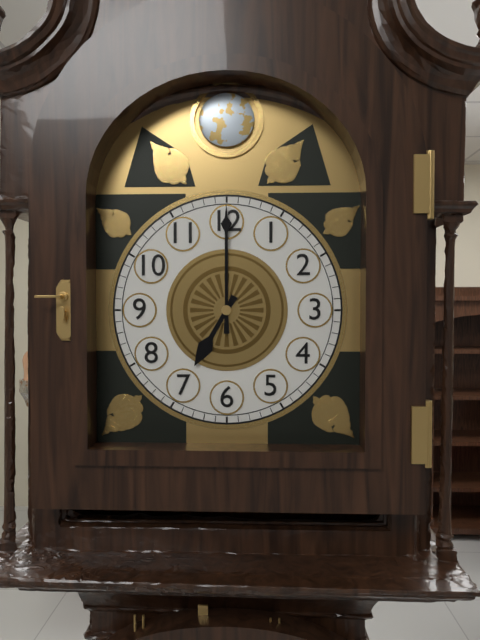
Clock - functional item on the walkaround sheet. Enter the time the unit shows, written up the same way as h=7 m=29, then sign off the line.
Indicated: h=7 m=0
